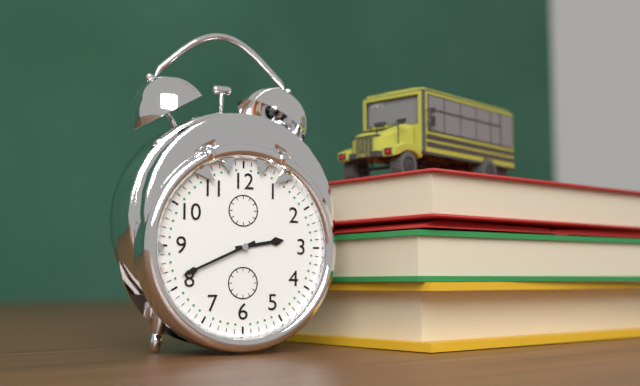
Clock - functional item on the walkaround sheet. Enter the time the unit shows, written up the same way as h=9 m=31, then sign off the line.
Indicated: h=2 m=41
